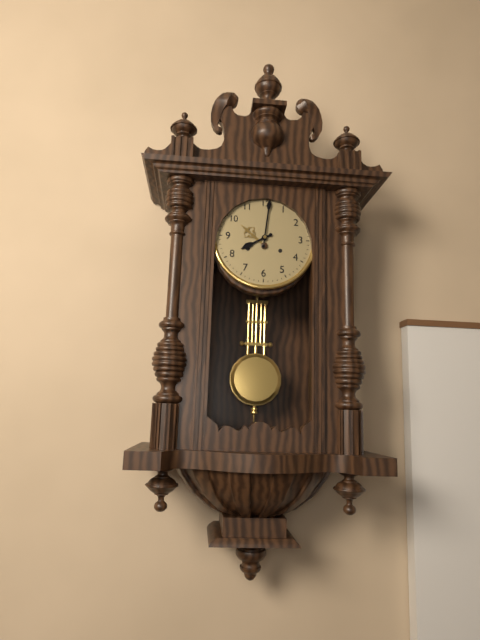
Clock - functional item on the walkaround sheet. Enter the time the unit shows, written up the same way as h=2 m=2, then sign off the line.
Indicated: h=8 m=1
